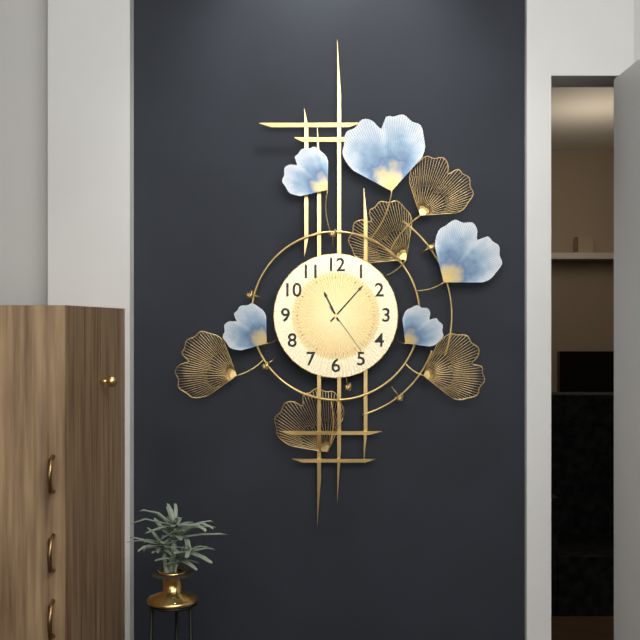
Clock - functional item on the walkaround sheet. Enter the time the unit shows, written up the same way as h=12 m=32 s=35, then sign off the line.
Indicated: h=11 m=7 s=24
